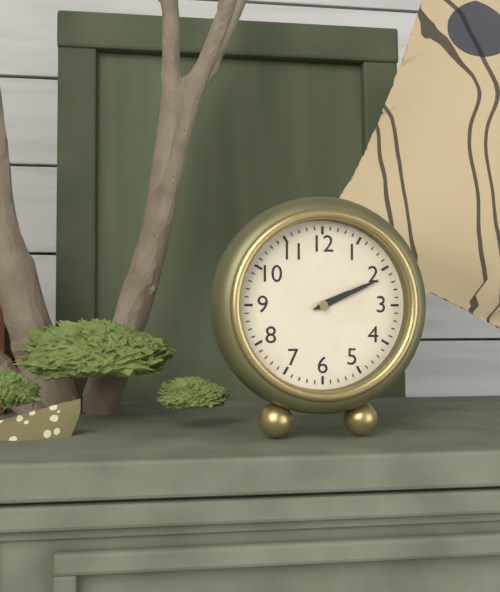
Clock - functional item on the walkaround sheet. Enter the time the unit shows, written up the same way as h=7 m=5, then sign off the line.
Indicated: h=2 m=11
